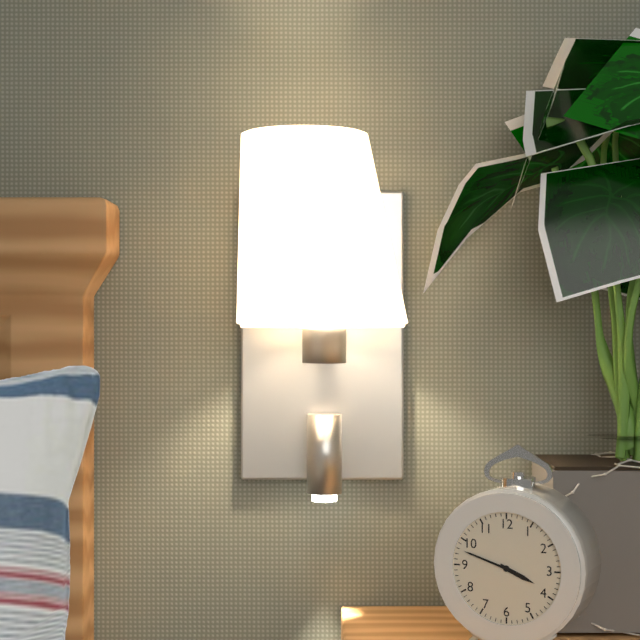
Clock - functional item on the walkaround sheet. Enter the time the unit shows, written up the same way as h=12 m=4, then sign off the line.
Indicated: h=3 m=48
